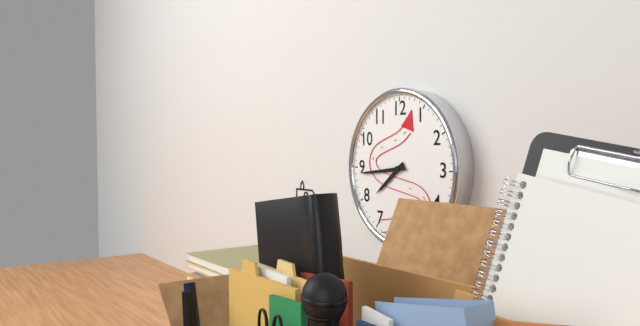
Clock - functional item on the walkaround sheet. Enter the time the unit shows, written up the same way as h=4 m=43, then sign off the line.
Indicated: h=7 m=44
